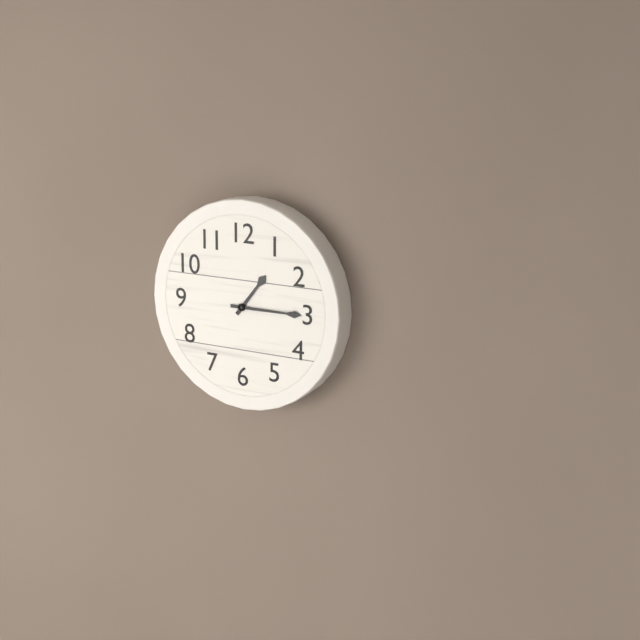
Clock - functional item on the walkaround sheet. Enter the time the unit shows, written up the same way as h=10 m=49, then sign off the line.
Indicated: h=1 m=15
